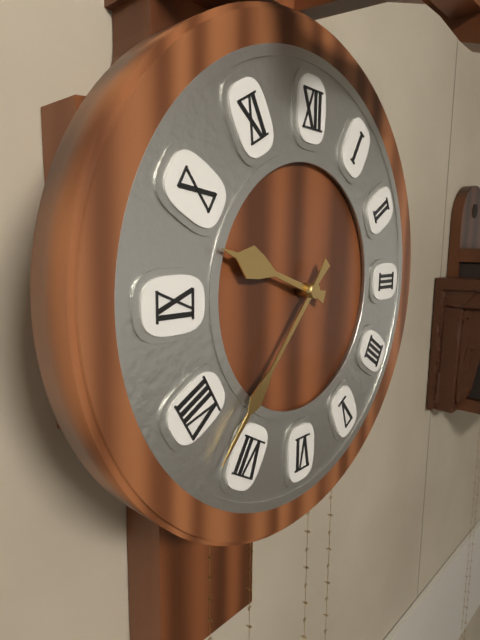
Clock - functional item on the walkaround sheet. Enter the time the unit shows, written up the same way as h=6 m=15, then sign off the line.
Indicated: h=9 m=37
